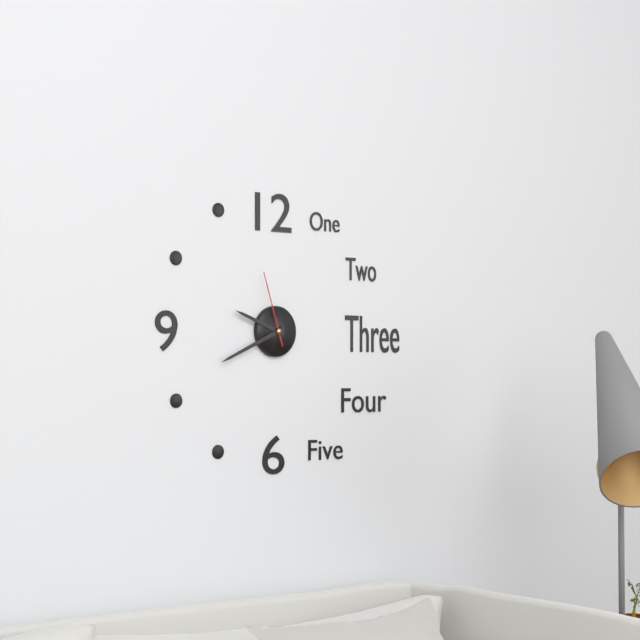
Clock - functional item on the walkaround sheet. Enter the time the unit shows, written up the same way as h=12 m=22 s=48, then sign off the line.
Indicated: h=9 m=41 s=57
